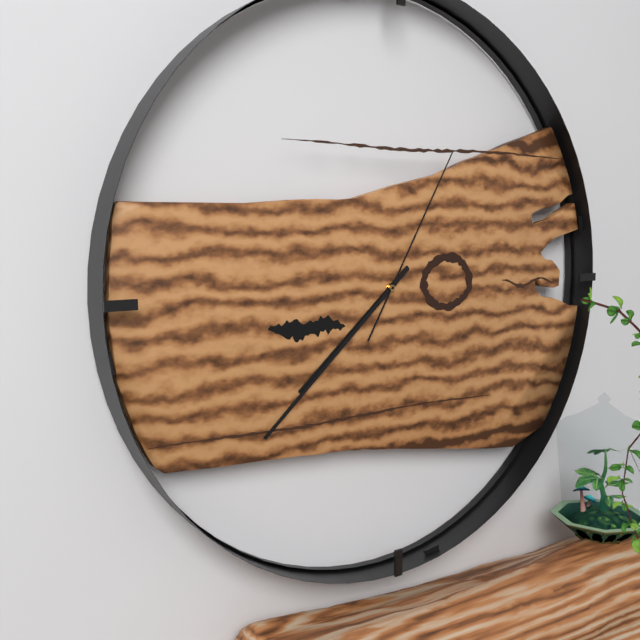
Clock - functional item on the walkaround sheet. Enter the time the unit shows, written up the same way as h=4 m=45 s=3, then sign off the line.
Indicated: h=7 m=38 s=5
